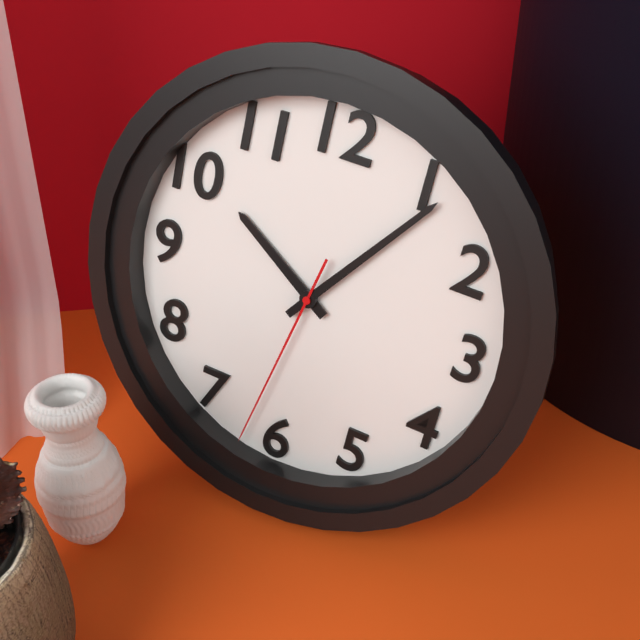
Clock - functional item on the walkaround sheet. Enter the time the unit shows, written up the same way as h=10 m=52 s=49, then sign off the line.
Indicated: h=10 m=6 s=32
